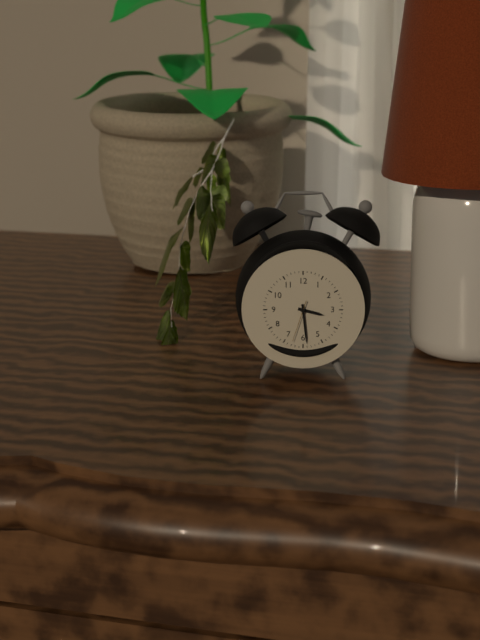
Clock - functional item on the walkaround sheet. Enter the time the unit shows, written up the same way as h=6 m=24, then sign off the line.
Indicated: h=3 m=29
